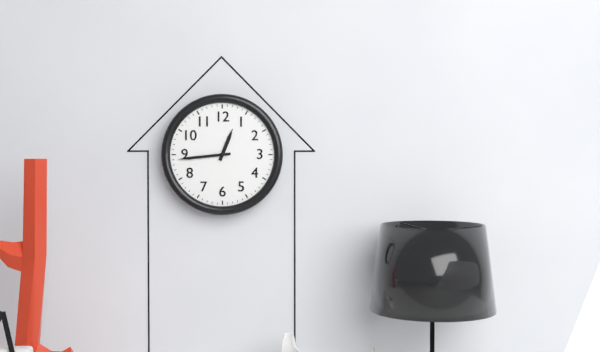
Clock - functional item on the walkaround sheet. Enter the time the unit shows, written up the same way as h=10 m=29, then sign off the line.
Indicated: h=12 m=44
